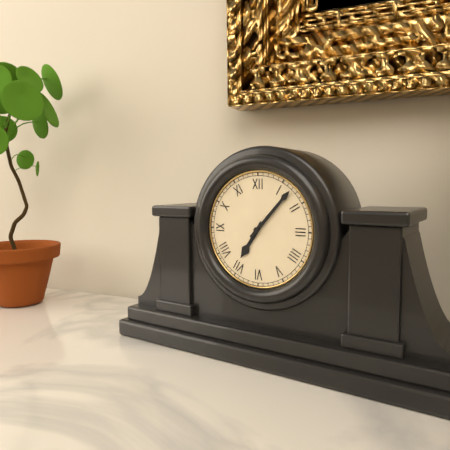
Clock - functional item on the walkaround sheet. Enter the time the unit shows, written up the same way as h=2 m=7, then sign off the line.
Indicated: h=7 m=7
